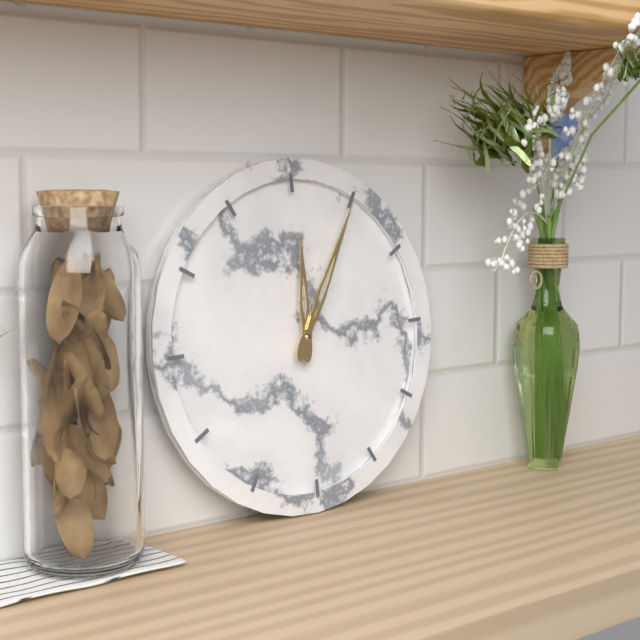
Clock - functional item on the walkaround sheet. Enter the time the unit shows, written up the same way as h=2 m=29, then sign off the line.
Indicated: h=12 m=5
